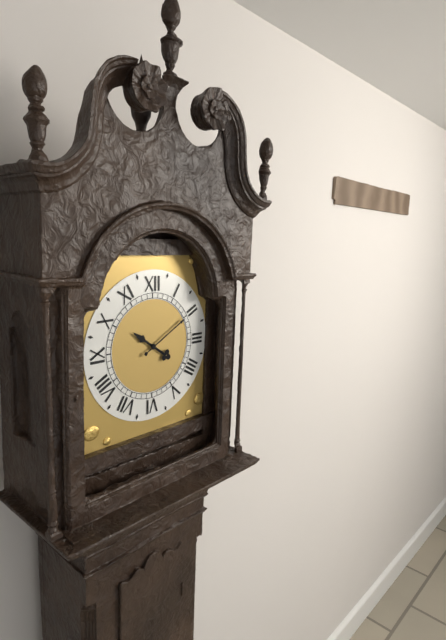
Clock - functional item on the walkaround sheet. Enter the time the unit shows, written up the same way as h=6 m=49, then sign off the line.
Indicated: h=10 m=10
